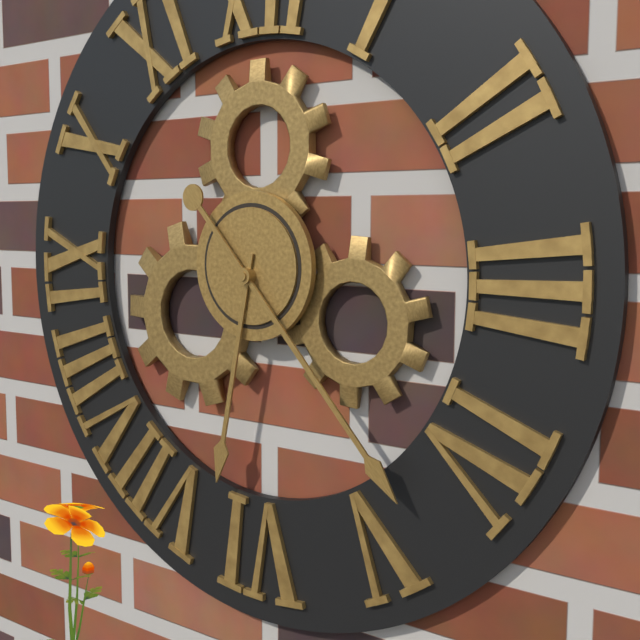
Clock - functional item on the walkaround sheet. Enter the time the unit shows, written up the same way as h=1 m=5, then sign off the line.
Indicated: h=6 m=23
